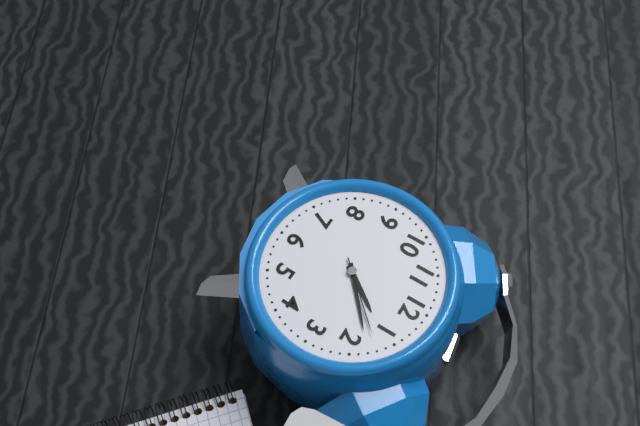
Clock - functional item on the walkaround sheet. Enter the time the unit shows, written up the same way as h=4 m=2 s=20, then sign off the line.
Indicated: h=1 m=8 s=7
